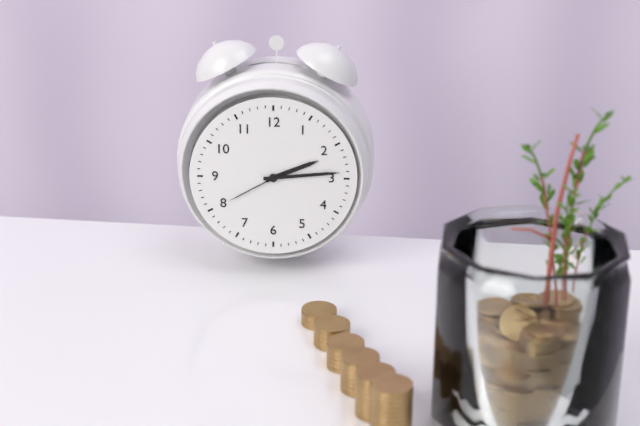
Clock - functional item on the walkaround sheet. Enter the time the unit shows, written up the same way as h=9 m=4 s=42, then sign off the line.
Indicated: h=2 m=14 s=40
